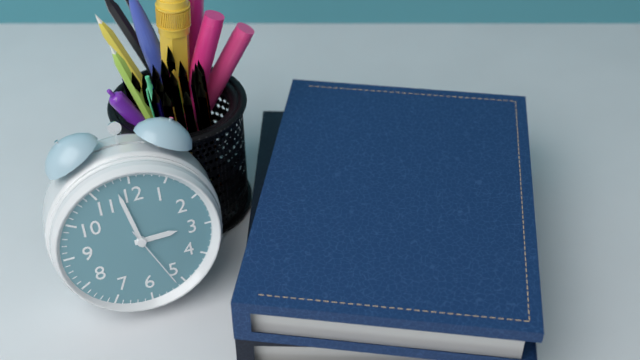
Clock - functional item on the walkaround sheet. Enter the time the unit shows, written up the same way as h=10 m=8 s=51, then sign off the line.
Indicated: h=2 m=58 s=26
